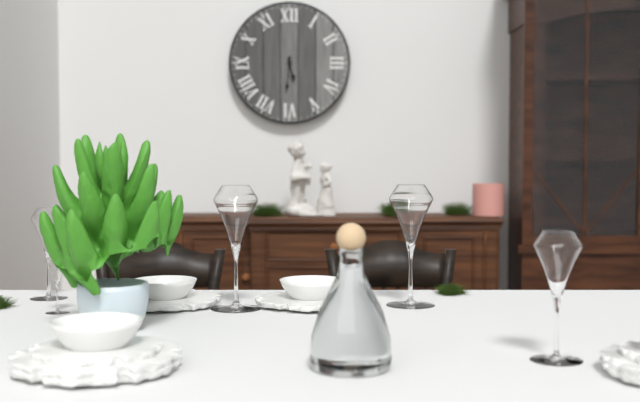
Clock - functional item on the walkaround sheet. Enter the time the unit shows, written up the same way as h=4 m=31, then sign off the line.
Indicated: h=5 m=31
